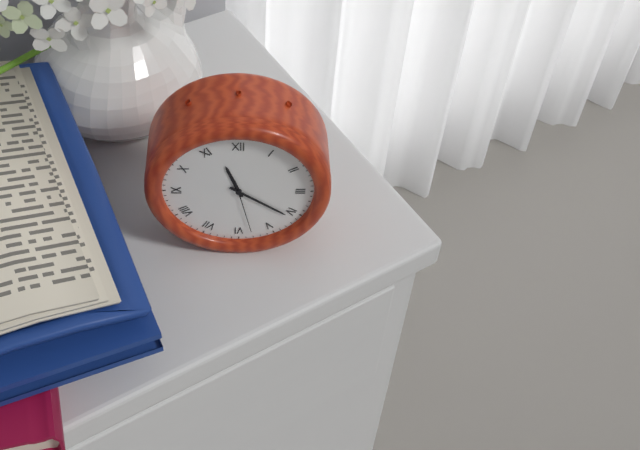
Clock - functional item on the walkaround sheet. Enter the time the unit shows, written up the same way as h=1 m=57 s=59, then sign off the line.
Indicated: h=11 m=21 s=28
